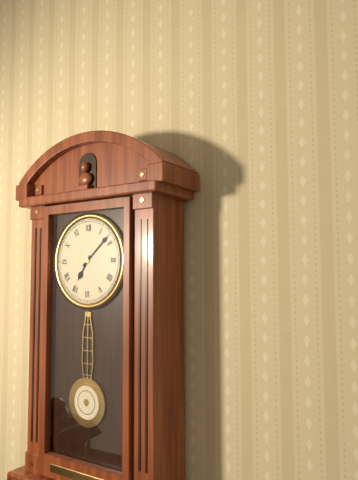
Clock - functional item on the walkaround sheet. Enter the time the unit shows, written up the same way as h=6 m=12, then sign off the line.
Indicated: h=7 m=8
